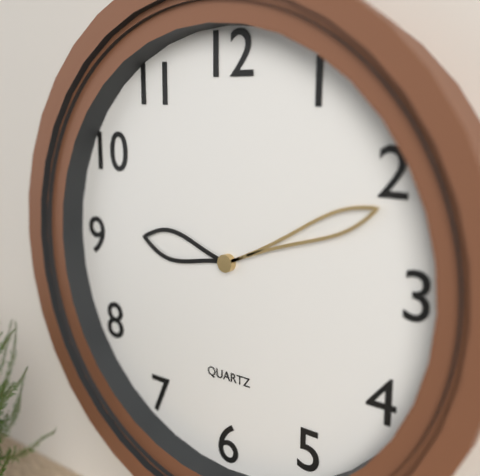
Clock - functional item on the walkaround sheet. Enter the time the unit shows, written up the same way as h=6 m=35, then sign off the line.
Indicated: h=9 m=11
